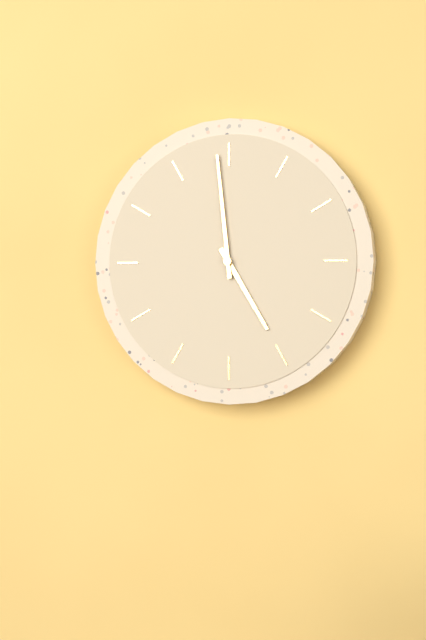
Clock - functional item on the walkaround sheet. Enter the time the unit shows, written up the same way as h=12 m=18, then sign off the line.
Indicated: h=4 m=59
